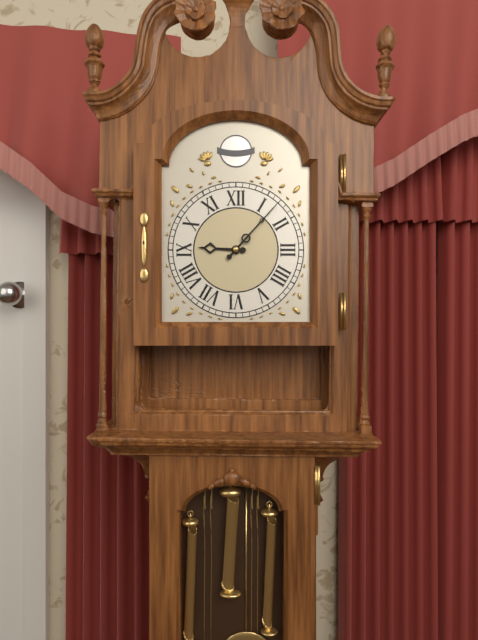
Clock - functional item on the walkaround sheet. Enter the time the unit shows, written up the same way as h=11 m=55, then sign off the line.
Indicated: h=9 m=7
